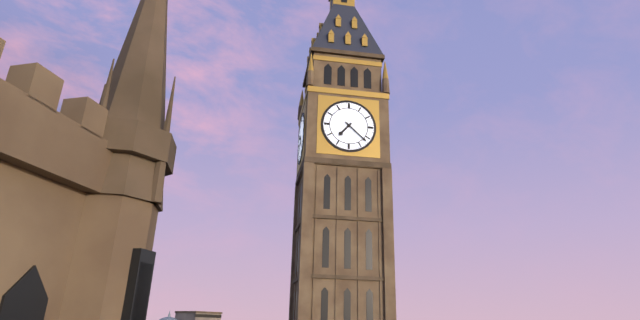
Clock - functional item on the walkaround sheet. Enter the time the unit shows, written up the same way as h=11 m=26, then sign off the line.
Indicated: h=7 m=22
